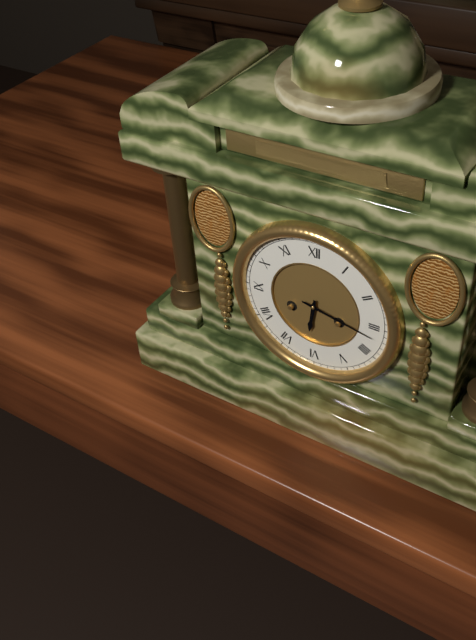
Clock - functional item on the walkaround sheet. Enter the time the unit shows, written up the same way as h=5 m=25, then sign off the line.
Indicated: h=6 m=17
